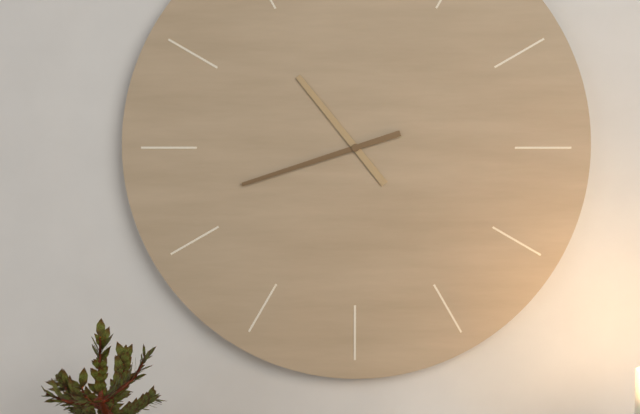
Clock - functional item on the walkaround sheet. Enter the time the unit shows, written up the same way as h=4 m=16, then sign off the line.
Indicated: h=10 m=42
